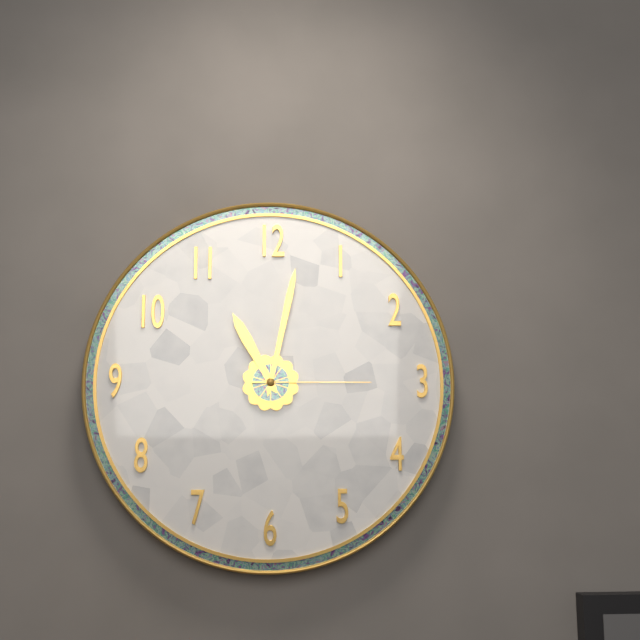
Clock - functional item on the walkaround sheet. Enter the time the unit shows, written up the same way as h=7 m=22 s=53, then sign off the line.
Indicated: h=11 m=2 s=15
